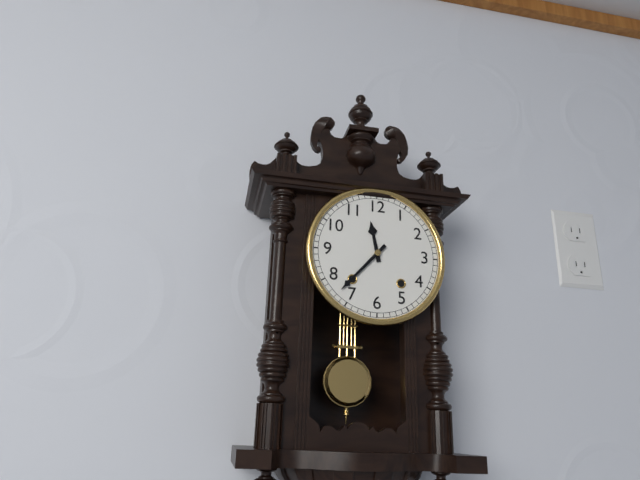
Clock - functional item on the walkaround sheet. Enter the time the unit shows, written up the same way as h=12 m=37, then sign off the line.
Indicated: h=11 m=37
